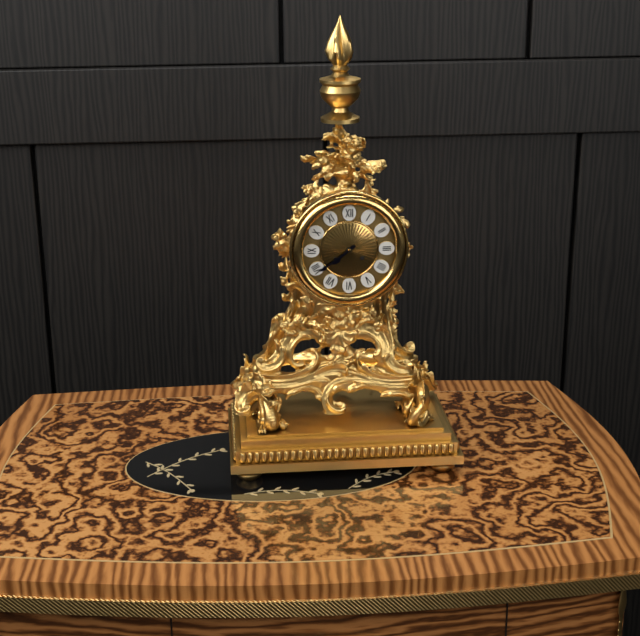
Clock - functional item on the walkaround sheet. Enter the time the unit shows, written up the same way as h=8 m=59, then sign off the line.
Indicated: h=7 m=39
